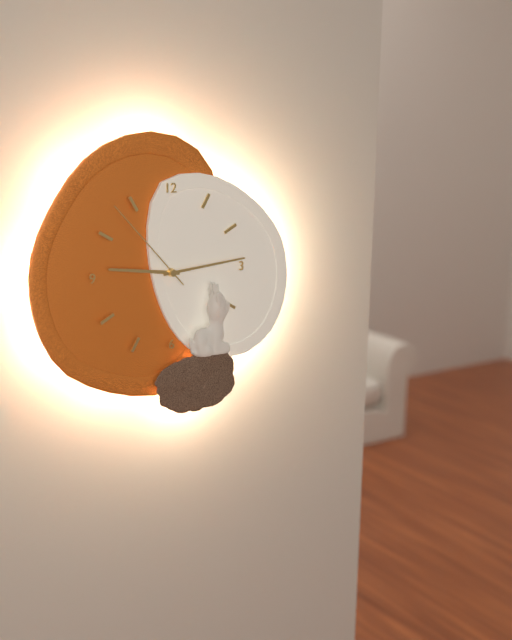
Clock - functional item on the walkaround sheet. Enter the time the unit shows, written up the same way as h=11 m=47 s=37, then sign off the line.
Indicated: h=9 m=14 s=53
